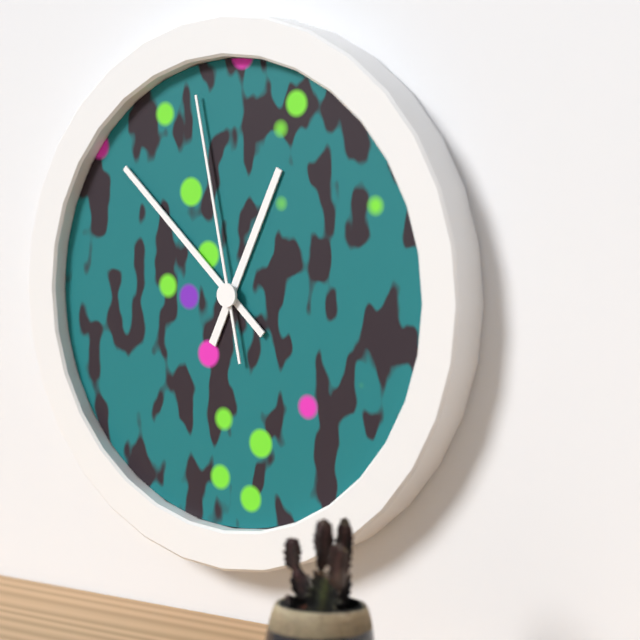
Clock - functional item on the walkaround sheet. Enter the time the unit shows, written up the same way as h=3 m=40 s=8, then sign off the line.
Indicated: h=12 m=52 s=58
